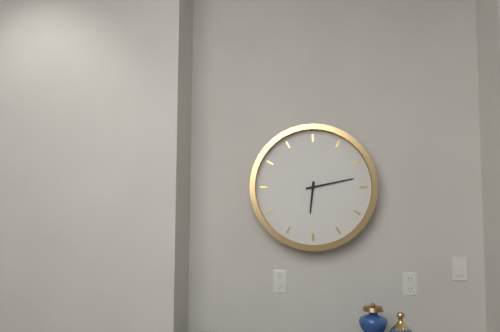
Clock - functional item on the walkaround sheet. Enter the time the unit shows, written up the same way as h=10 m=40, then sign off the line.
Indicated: h=6 m=13
